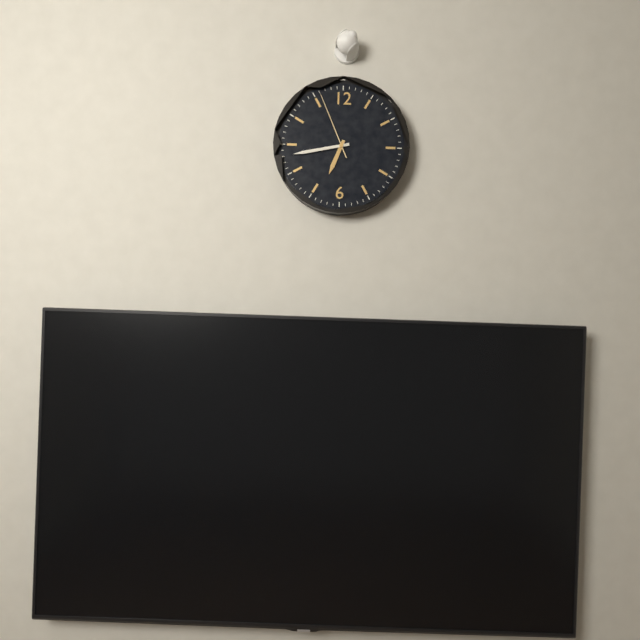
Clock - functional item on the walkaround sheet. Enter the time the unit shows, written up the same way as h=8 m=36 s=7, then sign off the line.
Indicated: h=6 m=43 s=56
